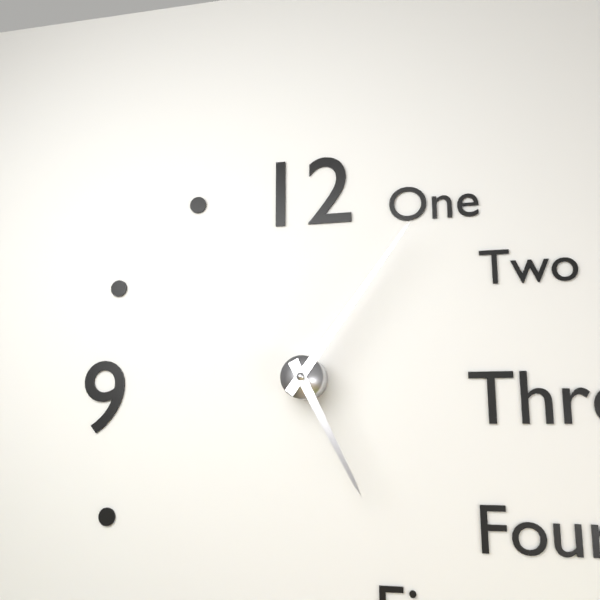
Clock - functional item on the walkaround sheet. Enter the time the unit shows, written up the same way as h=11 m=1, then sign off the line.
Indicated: h=5 m=6
